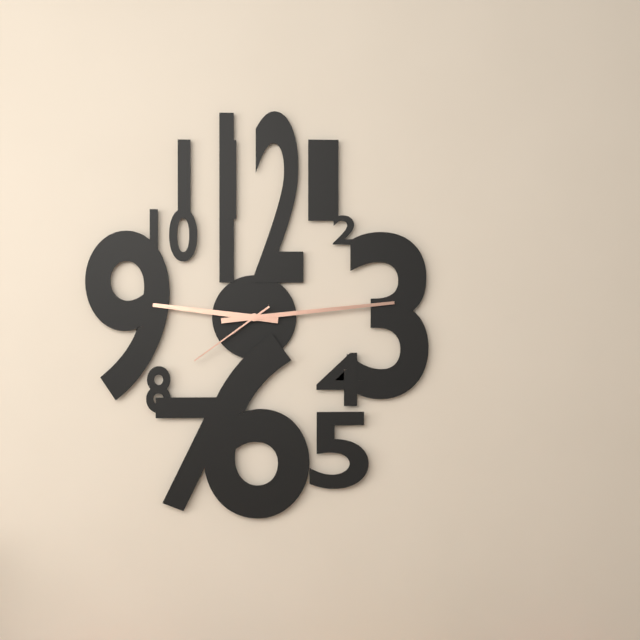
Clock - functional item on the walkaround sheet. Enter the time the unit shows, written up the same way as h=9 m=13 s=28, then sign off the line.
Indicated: h=9 m=14 s=39
